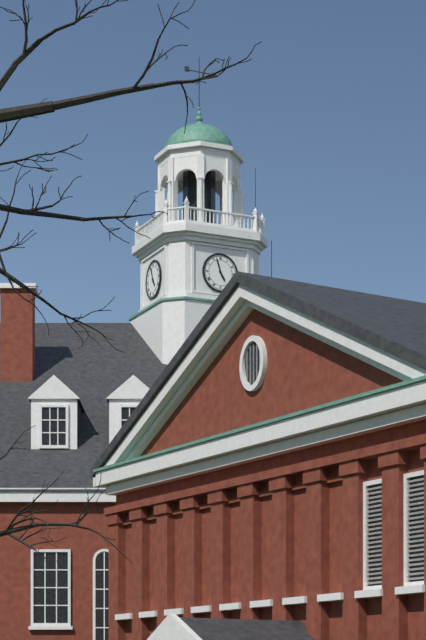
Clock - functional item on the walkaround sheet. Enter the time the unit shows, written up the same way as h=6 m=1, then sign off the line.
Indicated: h=4 m=57
